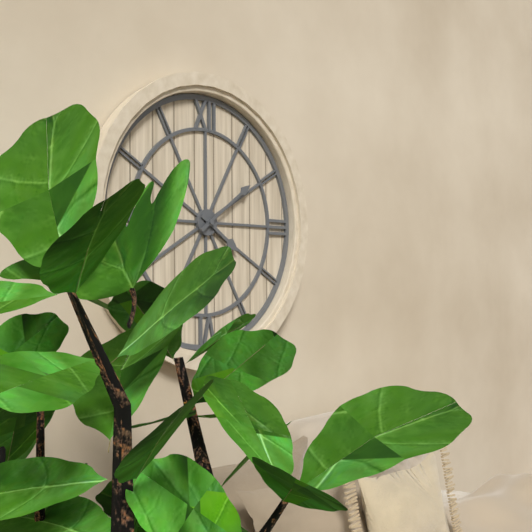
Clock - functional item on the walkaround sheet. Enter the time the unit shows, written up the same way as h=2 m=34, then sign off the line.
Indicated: h=4 m=9
